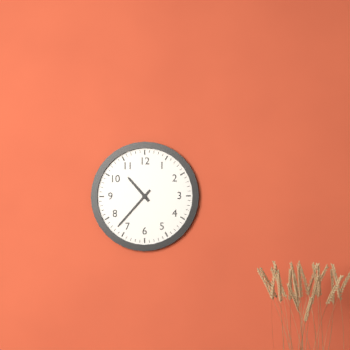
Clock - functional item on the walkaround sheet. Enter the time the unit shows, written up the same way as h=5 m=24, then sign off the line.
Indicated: h=10 m=37
